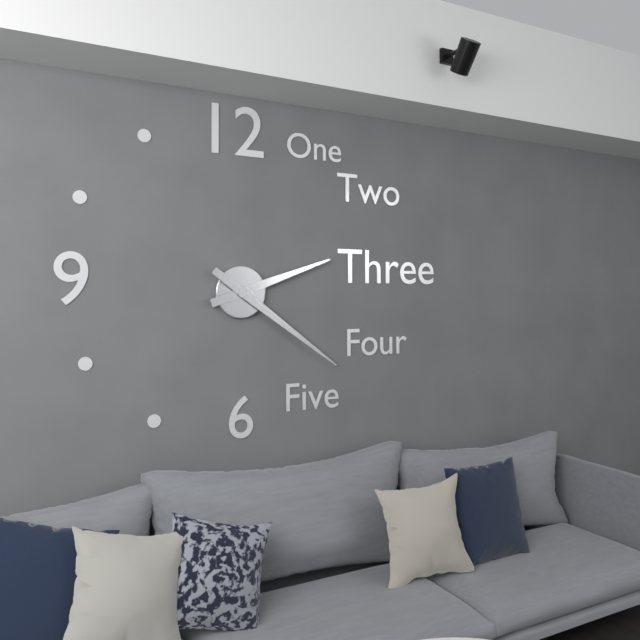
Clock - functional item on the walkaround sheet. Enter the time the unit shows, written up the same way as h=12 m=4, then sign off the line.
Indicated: h=2 m=21
